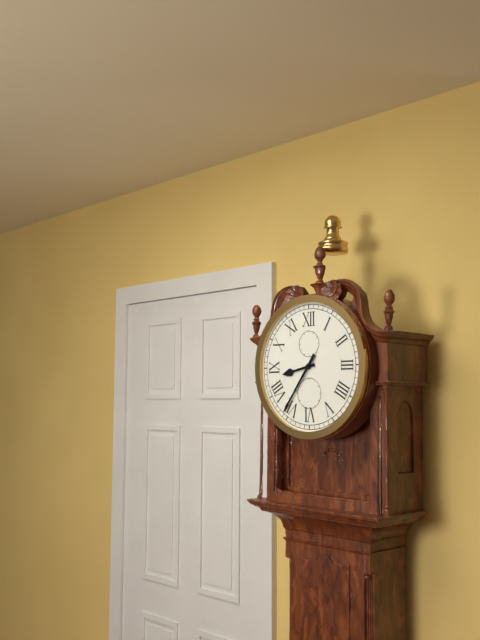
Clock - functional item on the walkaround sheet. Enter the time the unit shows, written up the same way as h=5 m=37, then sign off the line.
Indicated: h=8 m=36
